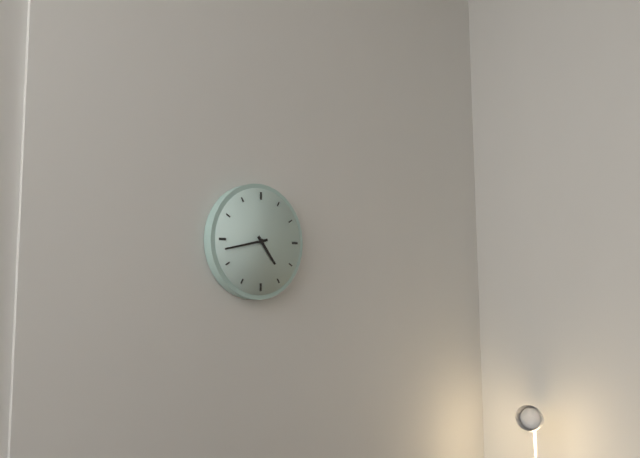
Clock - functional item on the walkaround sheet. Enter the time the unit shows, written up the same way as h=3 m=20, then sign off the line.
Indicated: h=4 m=43
